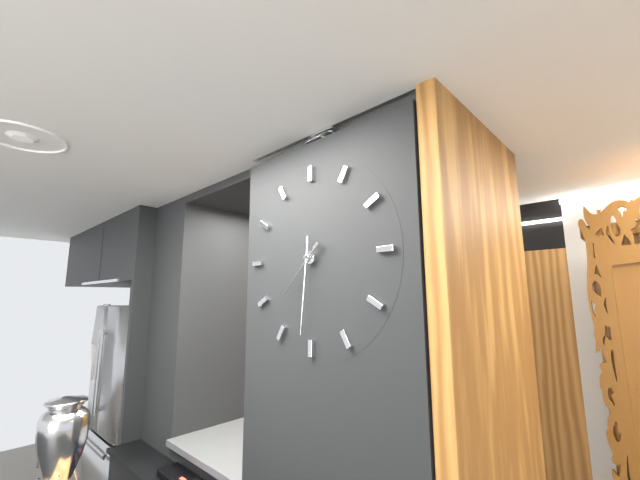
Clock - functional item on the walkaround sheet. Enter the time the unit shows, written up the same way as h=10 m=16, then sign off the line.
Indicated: h=7 m=31
